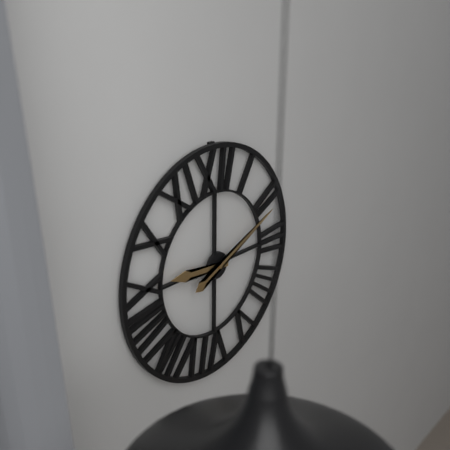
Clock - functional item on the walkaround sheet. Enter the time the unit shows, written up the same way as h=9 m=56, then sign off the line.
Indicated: h=9 m=11
